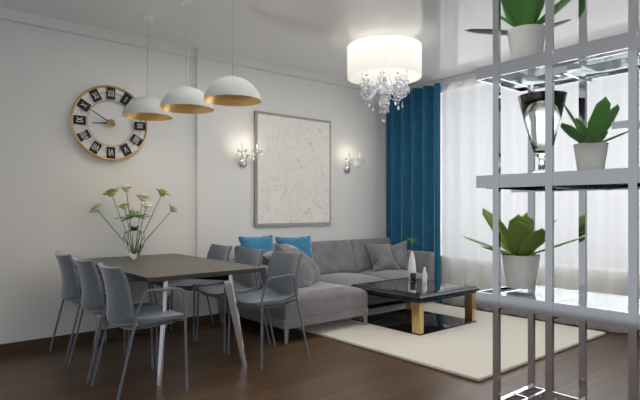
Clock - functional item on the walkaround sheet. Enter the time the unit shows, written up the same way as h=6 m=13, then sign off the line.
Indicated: h=8 m=50
